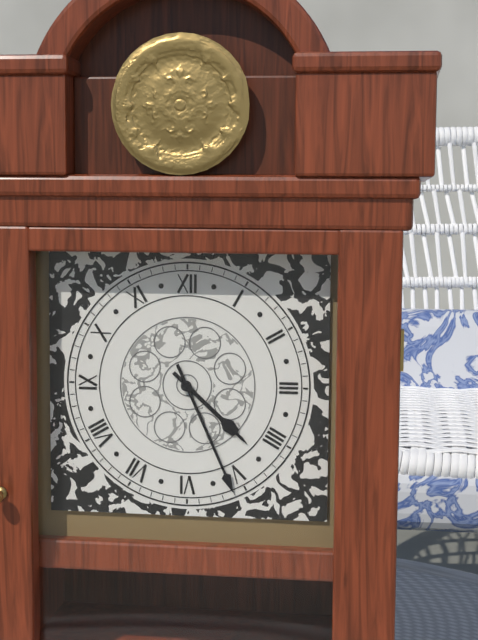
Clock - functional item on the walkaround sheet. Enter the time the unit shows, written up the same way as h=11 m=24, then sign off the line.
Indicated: h=4 m=26
